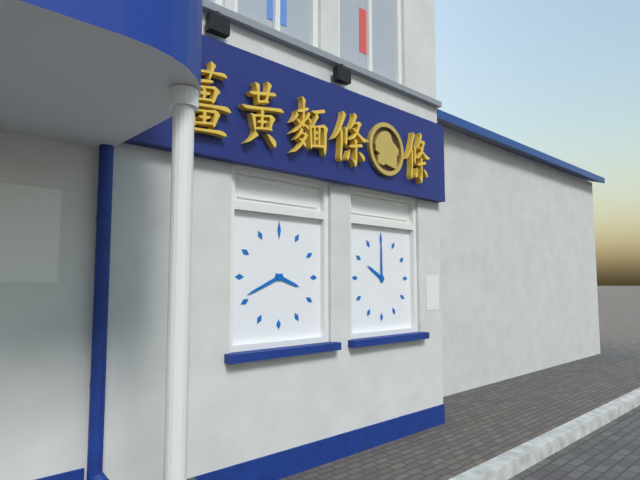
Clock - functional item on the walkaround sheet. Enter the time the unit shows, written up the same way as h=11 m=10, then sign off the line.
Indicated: h=3 m=41
